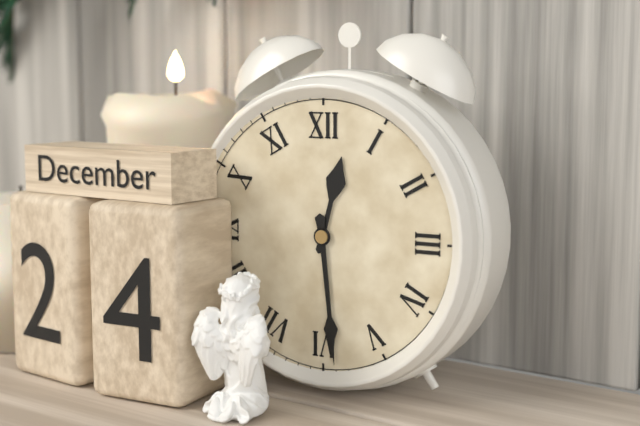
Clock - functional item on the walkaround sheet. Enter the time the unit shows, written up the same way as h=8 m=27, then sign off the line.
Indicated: h=12 m=29
